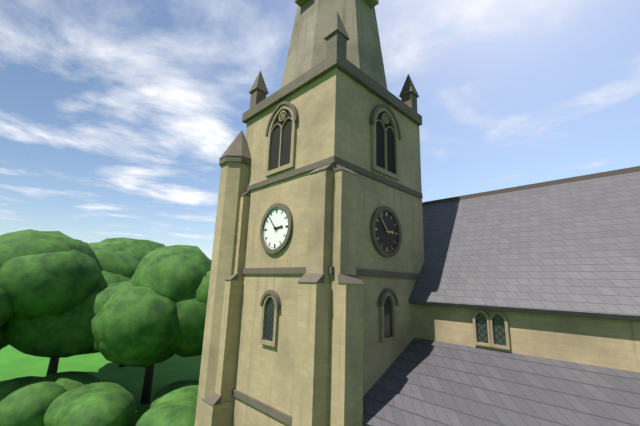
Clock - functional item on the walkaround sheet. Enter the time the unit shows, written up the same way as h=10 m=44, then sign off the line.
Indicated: h=2 m=53
